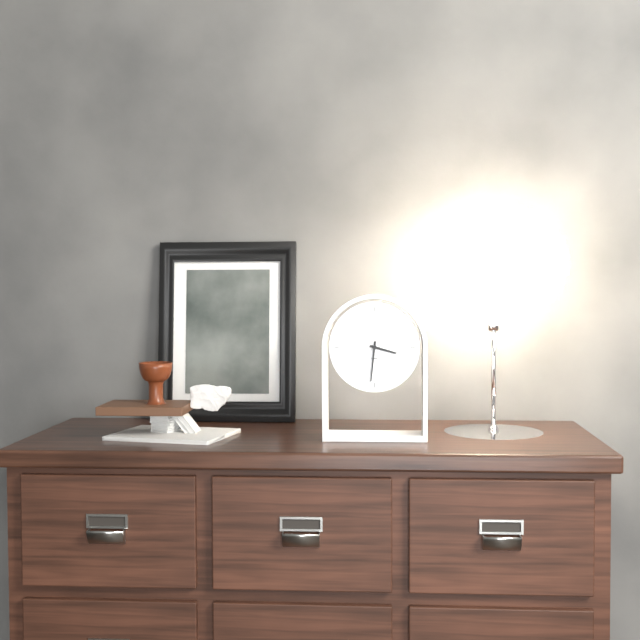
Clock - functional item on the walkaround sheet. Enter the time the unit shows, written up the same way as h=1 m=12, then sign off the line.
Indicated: h=3 m=31
